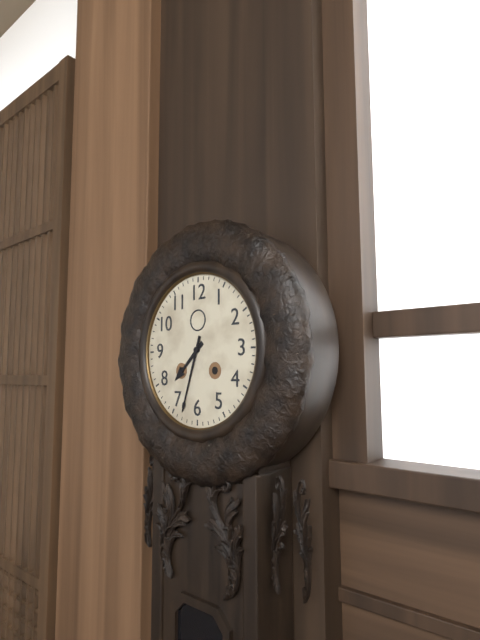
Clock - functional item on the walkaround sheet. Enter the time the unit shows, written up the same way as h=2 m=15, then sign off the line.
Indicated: h=7 m=33
